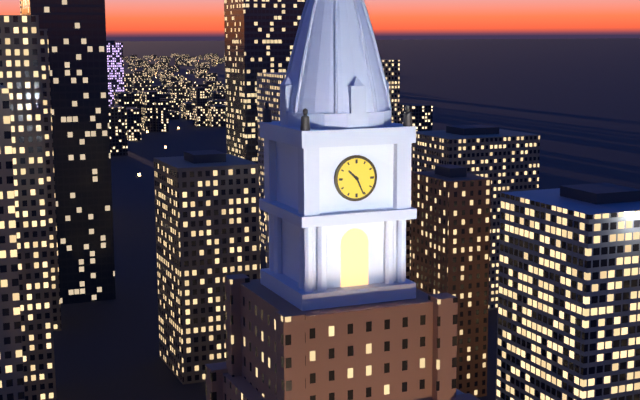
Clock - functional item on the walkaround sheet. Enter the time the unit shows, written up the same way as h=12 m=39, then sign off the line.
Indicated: h=10 m=26
